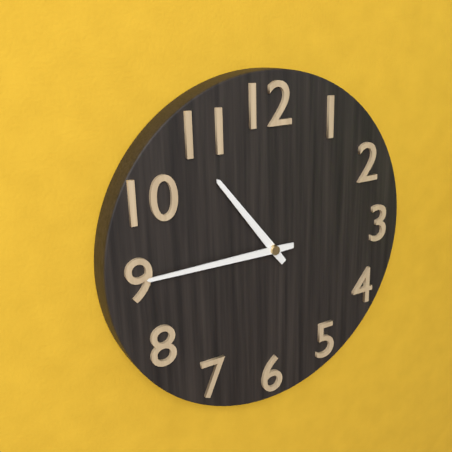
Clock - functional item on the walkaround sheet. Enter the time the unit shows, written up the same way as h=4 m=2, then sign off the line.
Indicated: h=10 m=45
